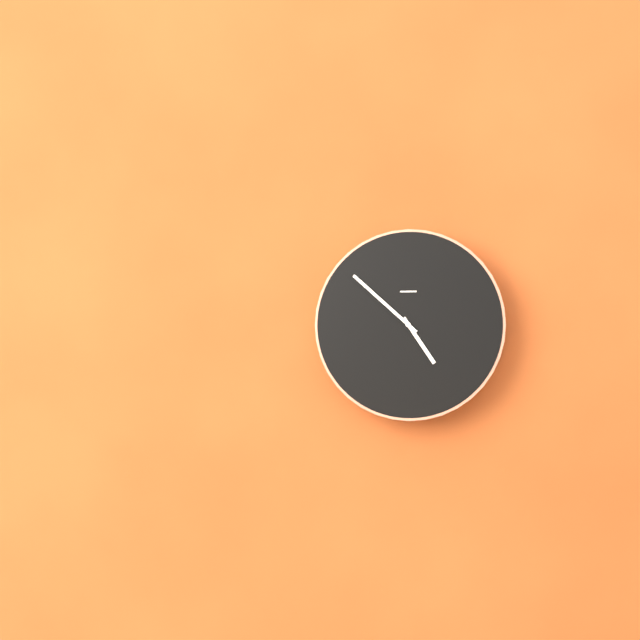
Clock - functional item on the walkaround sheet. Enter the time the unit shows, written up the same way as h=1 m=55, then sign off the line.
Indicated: h=4 m=52
